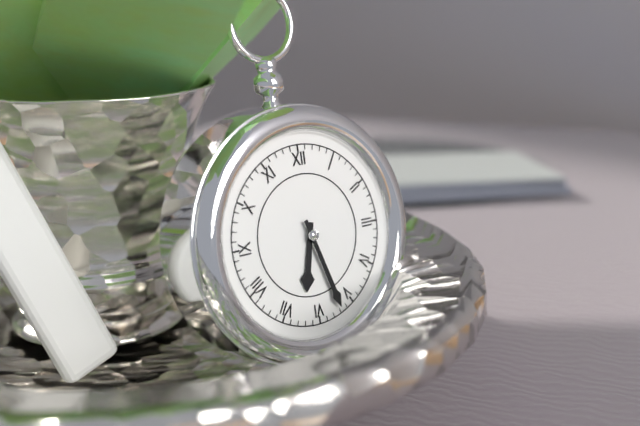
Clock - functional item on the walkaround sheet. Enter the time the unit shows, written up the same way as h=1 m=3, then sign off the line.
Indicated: h=6 m=27
